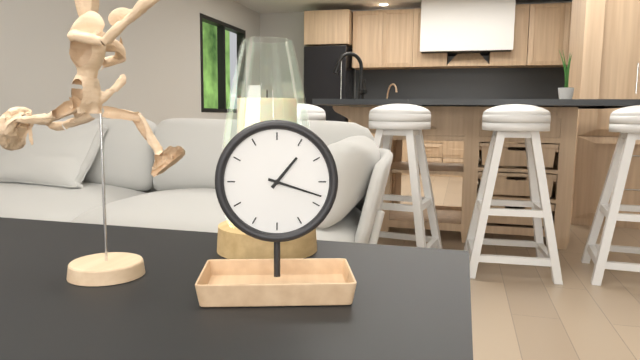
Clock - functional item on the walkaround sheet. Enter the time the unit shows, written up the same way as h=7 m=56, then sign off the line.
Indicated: h=1 m=18
